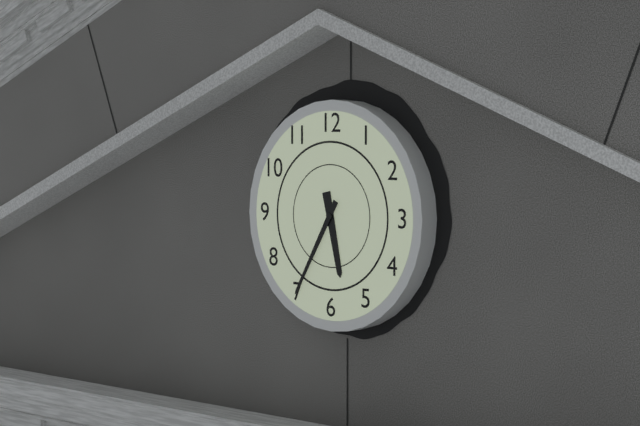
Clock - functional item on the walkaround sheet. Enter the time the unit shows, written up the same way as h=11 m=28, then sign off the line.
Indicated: h=5 m=35
